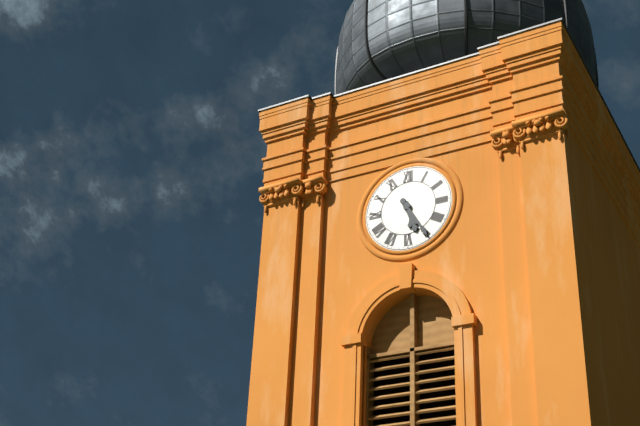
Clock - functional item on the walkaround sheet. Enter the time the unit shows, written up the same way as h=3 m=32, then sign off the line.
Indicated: h=5 m=25
